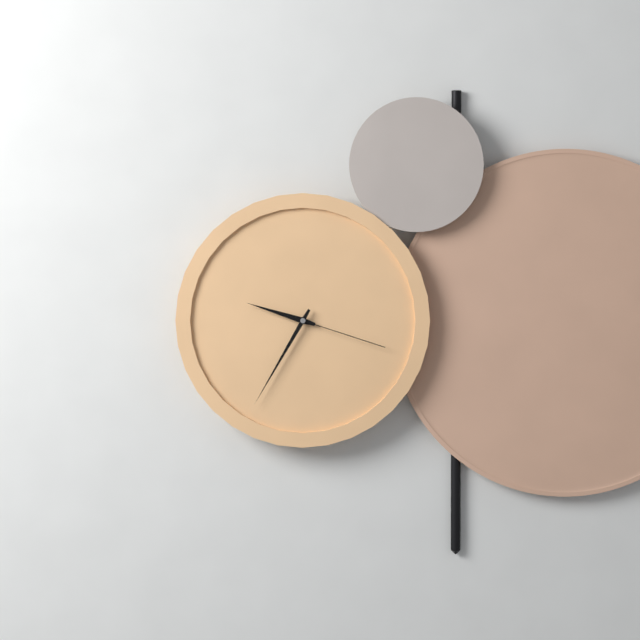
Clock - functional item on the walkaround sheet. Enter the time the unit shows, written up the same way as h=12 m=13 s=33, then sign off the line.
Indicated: h=9 m=35 s=18
